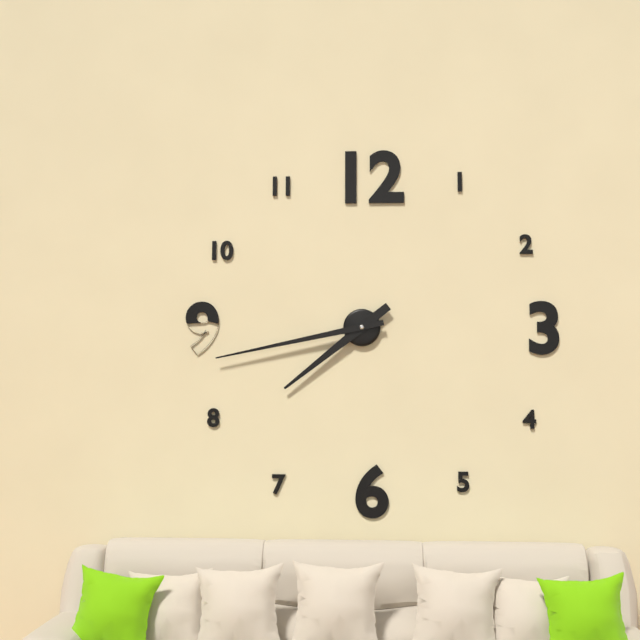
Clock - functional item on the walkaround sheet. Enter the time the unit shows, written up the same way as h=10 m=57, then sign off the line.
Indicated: h=7 m=43
